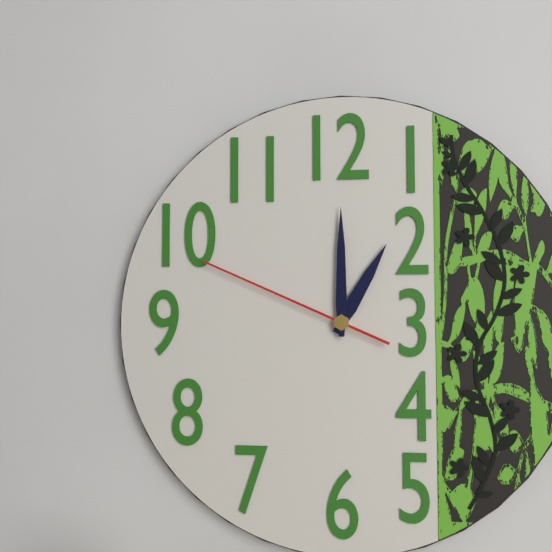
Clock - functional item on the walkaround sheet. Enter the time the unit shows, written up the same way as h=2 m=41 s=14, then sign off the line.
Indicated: h=1 m=0 s=49
